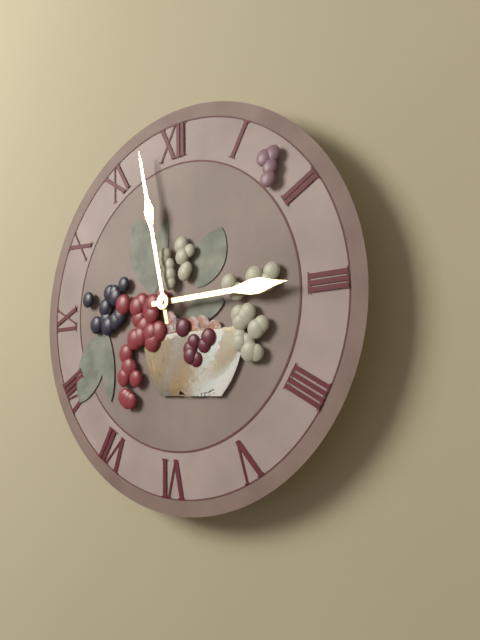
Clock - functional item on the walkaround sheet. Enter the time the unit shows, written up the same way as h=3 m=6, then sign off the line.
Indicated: h=2 m=58
